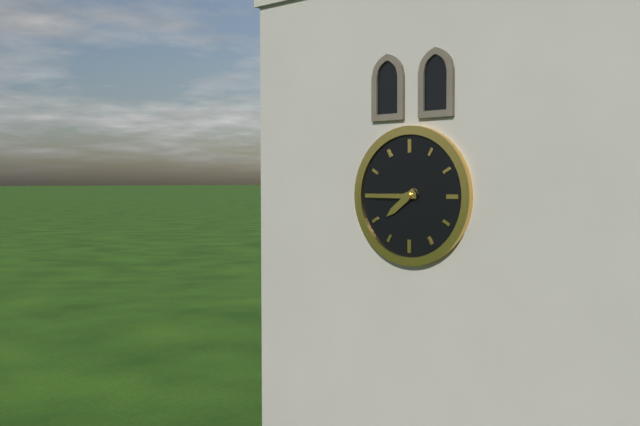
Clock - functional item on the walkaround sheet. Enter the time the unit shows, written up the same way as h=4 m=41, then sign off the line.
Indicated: h=7 m=45
